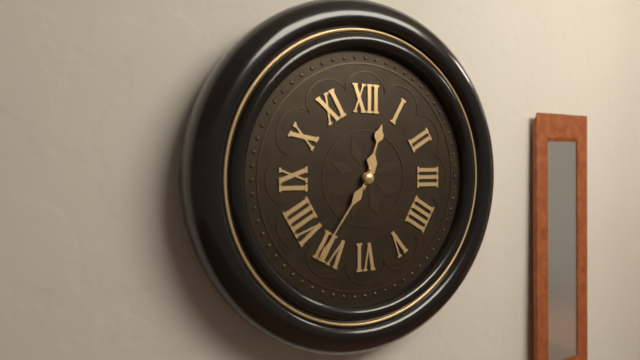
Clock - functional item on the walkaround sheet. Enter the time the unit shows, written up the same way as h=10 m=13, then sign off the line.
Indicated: h=12 m=36
